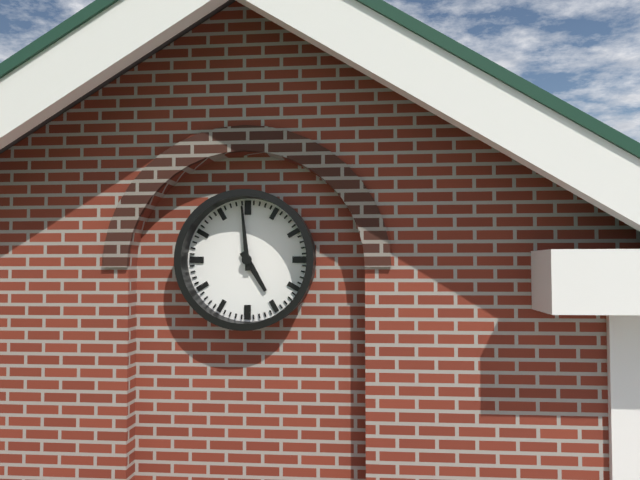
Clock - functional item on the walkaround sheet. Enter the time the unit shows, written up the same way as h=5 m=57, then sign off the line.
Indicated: h=4 m=59
